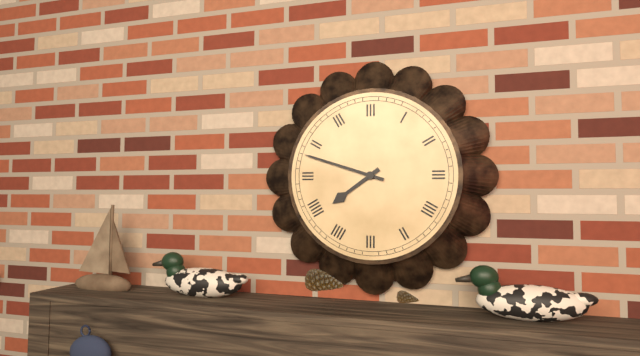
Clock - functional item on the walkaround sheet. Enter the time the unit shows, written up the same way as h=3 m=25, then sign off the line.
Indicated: h=7 m=48
